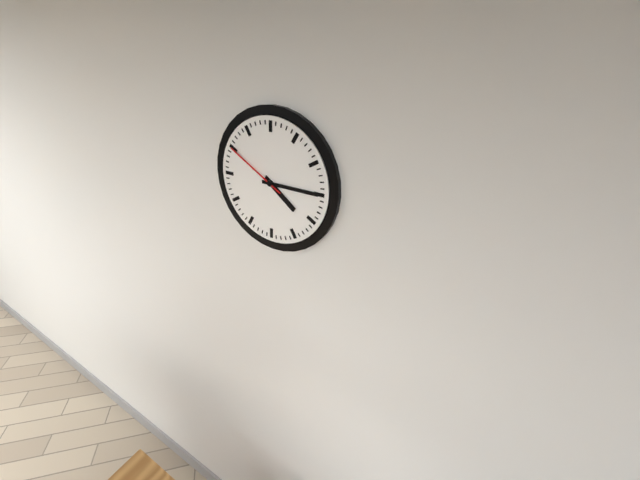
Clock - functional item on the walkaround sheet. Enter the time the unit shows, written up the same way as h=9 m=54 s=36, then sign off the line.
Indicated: h=4 m=15 s=50
